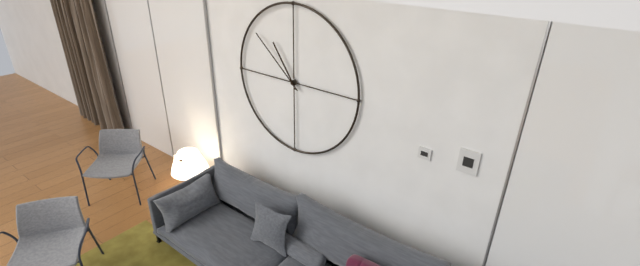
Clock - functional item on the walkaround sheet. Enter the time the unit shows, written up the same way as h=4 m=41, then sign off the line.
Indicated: h=10 m=52
